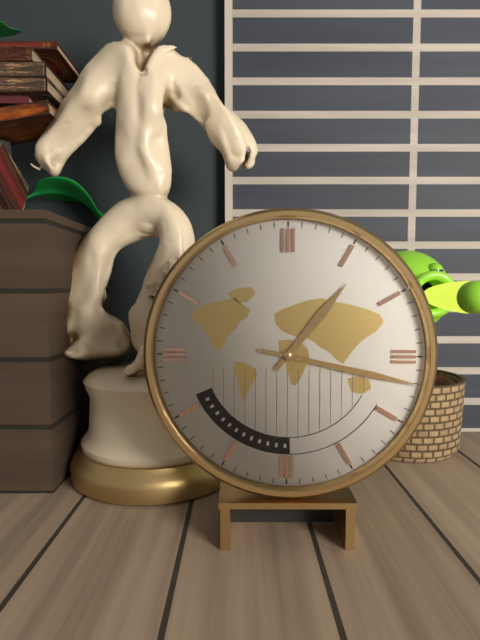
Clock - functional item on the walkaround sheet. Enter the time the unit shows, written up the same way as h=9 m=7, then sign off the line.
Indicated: h=1 m=17
